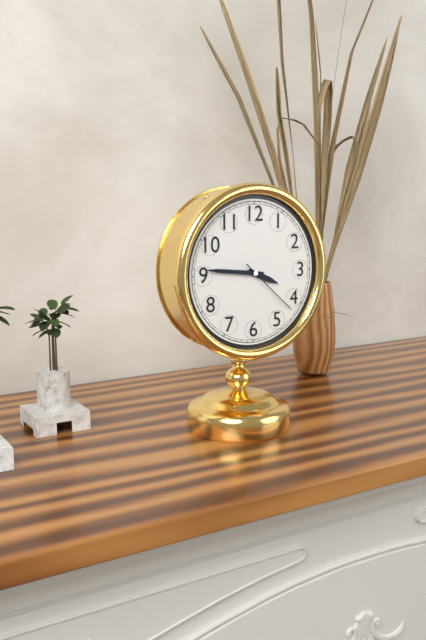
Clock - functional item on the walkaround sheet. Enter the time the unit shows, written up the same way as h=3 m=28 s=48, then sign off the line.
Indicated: h=3 m=46 s=22
